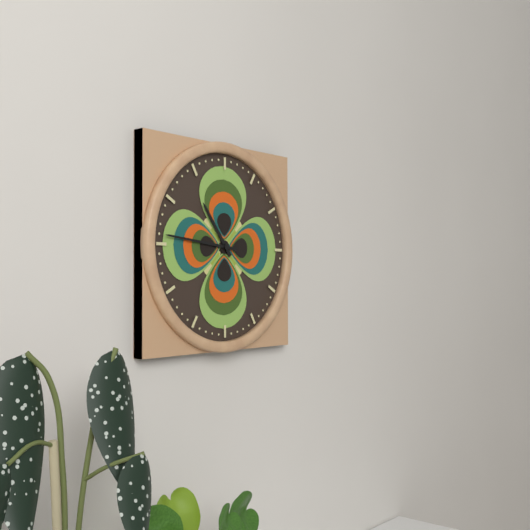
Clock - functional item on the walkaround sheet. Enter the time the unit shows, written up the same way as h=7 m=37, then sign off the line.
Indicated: h=10 m=46
